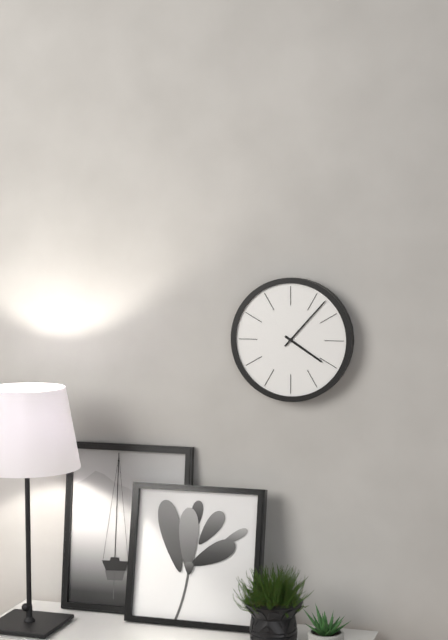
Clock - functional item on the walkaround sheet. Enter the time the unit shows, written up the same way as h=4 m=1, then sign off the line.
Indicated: h=4 m=7
